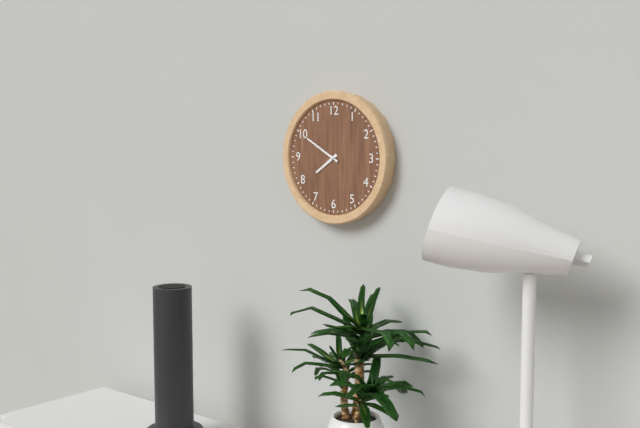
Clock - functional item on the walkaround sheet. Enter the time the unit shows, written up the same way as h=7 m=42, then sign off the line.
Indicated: h=7 m=50
